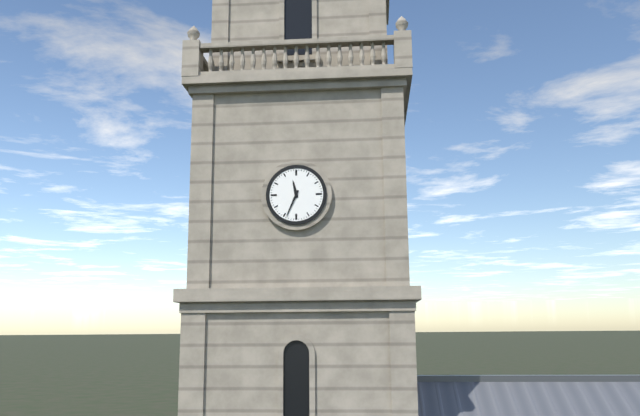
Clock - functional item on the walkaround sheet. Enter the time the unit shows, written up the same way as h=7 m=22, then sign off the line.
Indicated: h=11 m=34
